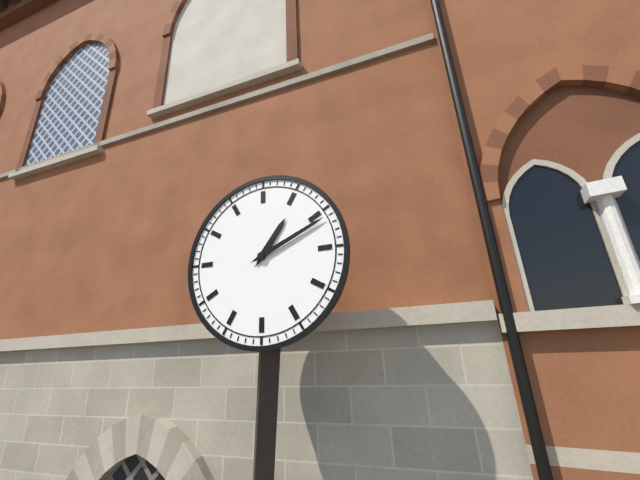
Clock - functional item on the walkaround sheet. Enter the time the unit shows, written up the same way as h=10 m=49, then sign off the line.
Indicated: h=1 m=11
